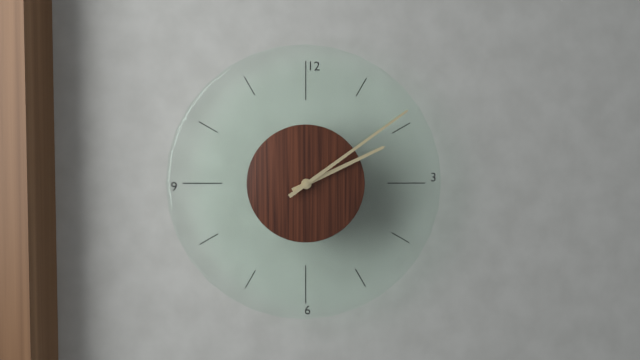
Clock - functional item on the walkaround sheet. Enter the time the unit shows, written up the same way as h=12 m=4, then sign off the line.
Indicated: h=2 m=9
